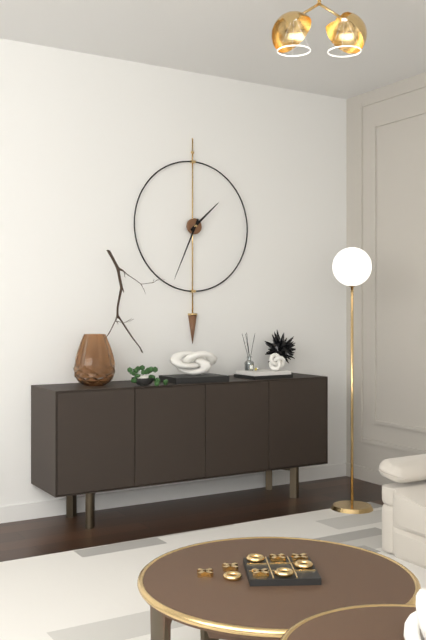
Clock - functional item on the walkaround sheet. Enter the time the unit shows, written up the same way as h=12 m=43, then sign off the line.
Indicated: h=1 m=34
